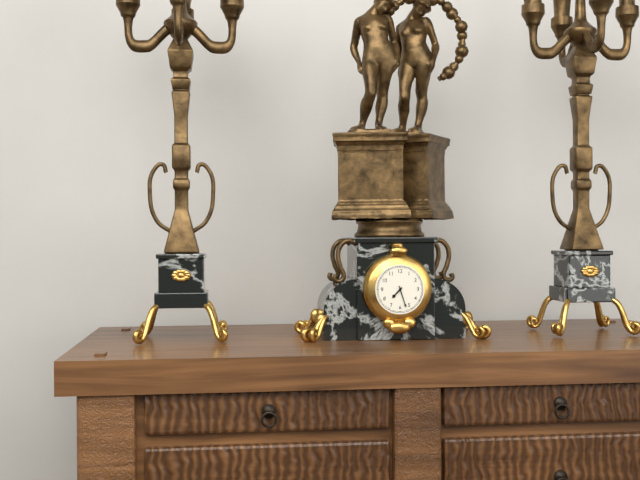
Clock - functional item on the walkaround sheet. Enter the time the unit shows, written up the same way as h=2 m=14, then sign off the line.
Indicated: h=7 m=27
